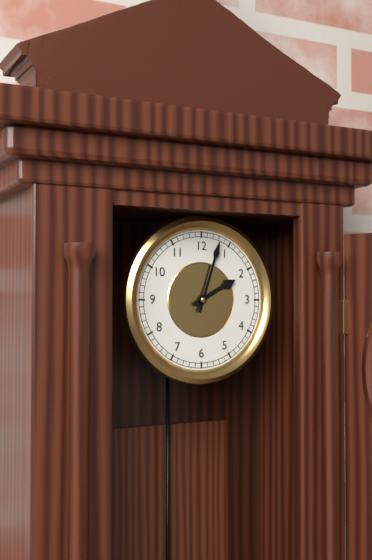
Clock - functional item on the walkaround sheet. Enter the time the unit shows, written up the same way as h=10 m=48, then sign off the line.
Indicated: h=2 m=3
